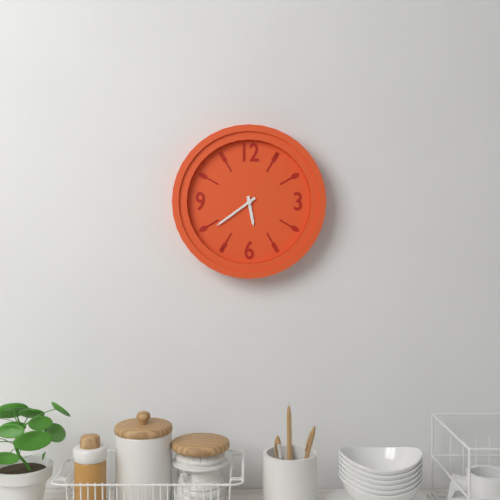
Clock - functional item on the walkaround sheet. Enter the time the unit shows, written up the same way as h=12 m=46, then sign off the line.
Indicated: h=5 m=39
